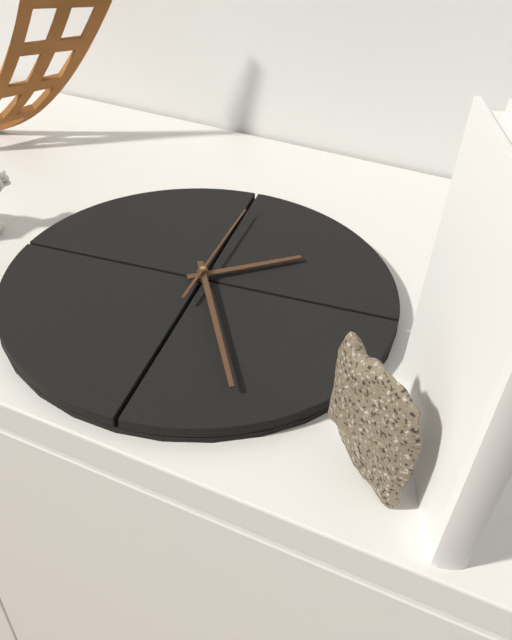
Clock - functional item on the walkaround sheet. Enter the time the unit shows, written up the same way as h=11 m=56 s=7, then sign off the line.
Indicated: h=2 m=29 s=4
